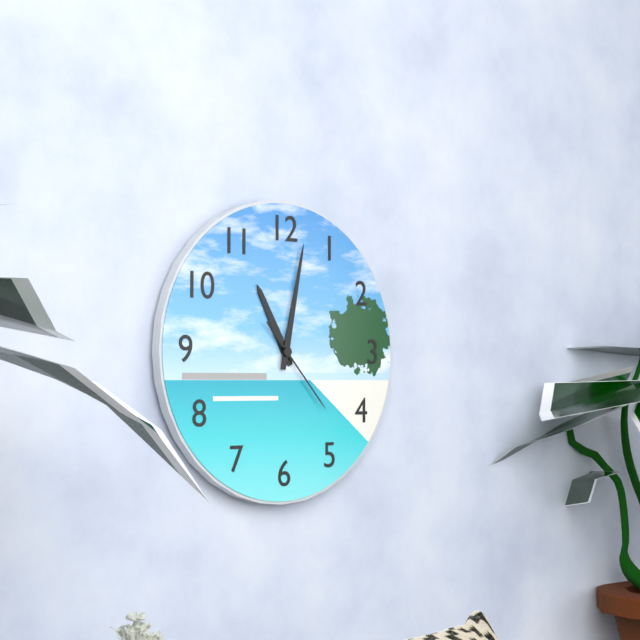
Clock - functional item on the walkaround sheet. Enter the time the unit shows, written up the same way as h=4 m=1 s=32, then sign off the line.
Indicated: h=11 m=2 s=23
